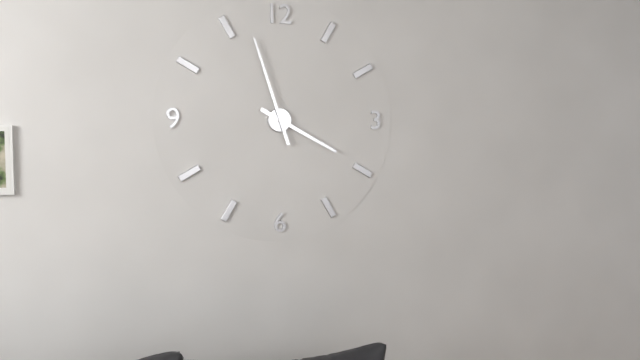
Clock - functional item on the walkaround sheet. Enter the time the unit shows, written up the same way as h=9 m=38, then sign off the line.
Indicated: h=3 m=57
